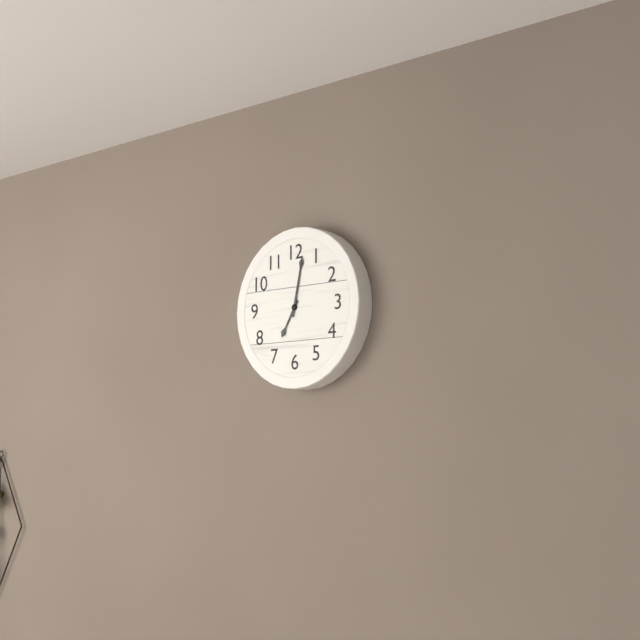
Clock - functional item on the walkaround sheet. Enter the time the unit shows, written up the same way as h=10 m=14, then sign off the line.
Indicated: h=7 m=2
